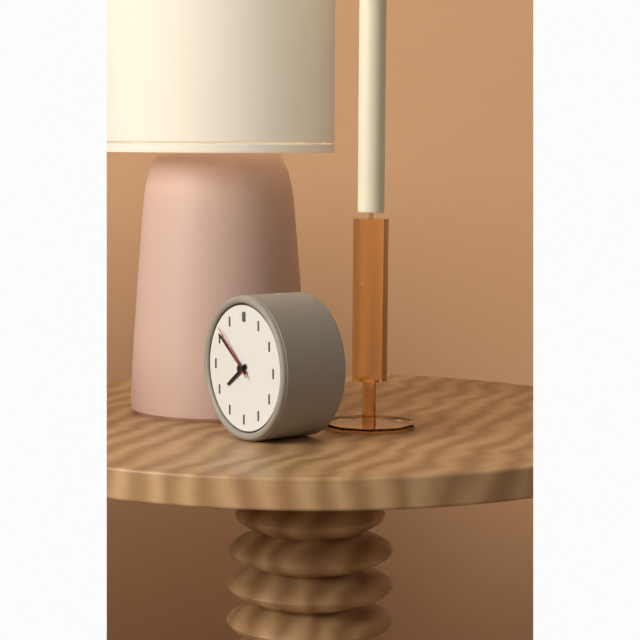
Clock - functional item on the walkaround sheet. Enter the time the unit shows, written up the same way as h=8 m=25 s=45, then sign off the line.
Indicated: h=7 m=51 s=52
